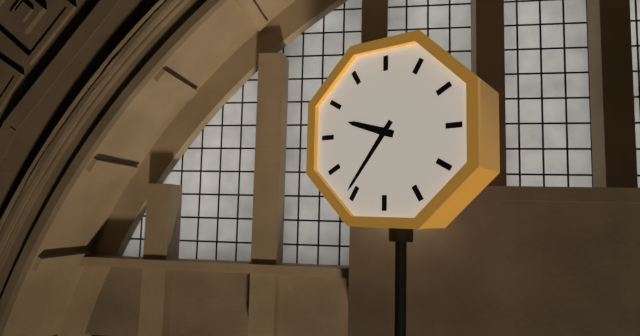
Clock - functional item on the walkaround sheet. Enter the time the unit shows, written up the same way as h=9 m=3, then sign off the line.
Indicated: h=9 m=36
